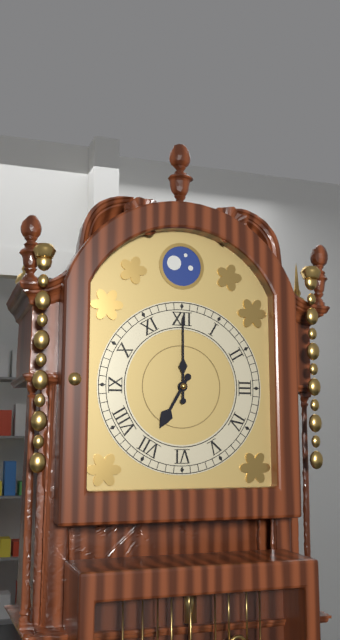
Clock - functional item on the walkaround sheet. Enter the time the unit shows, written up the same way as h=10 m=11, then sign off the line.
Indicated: h=7 m=0
